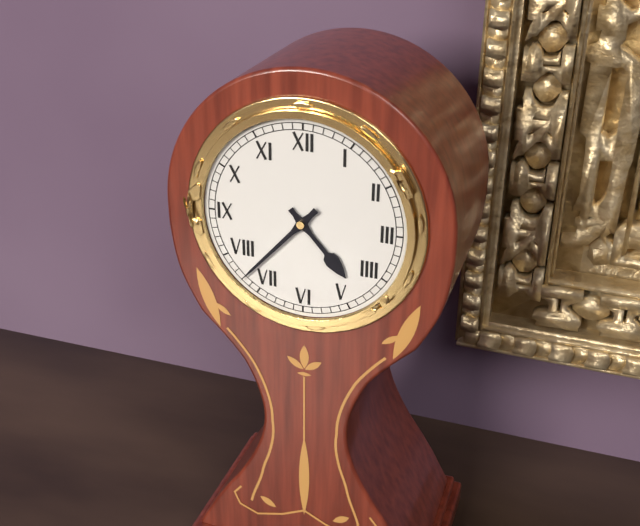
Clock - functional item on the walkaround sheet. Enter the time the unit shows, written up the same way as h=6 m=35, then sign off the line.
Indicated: h=4 m=37
